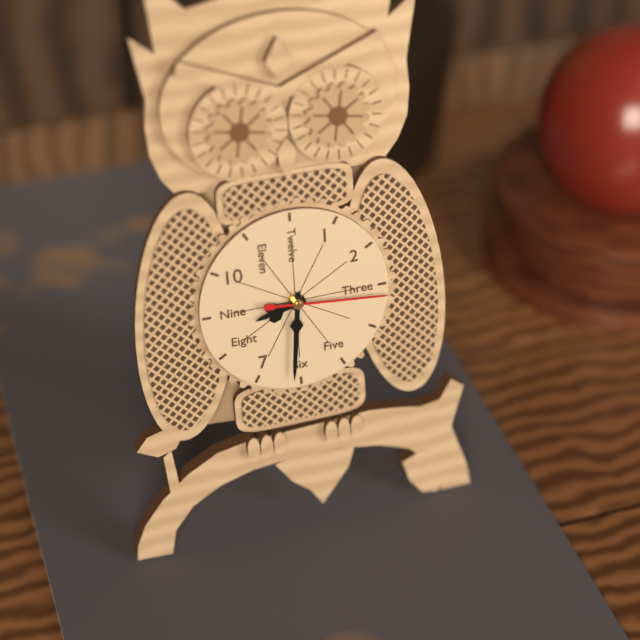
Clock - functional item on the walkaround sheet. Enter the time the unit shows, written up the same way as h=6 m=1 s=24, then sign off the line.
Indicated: h=8 m=31 s=16
